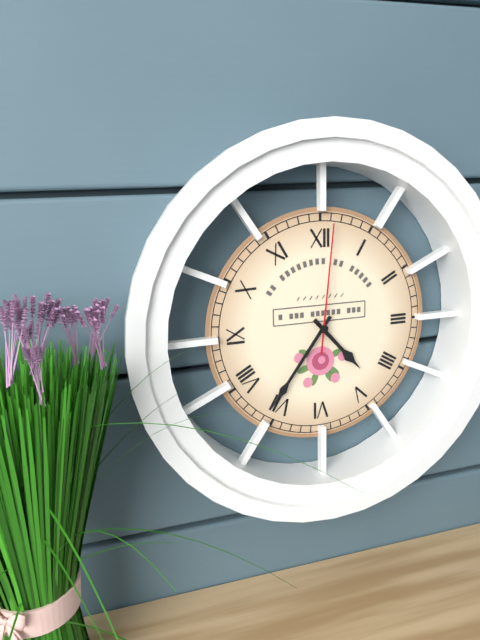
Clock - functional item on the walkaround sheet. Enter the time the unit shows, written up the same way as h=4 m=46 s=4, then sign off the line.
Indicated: h=4 m=36 s=1
